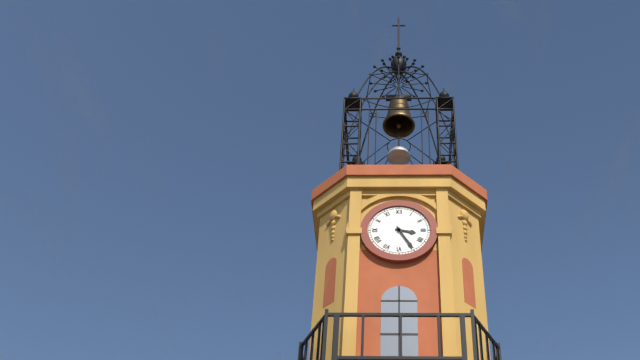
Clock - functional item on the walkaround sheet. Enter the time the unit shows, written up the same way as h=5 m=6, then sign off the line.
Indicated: h=3 m=25
